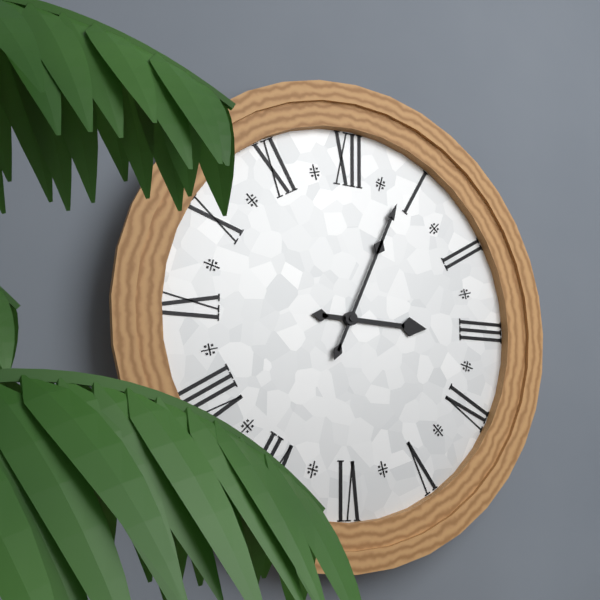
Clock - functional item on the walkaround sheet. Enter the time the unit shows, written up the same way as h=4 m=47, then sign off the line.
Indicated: h=3 m=4
